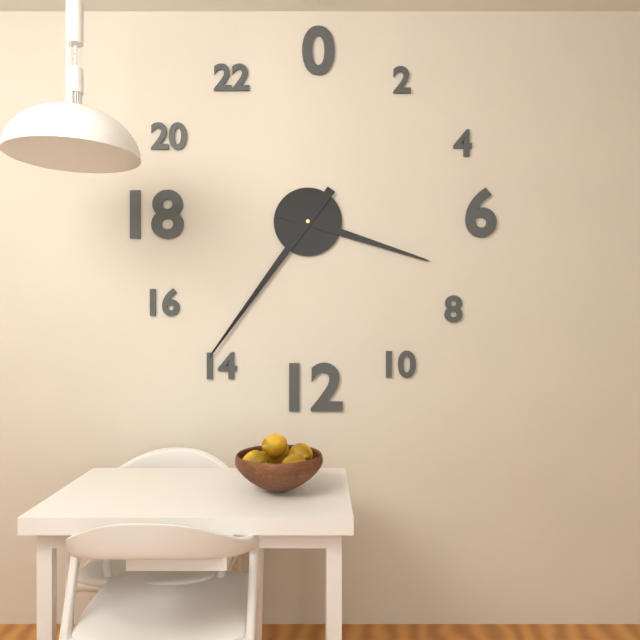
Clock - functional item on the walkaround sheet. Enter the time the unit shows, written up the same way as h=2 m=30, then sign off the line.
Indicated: h=3 m=36
